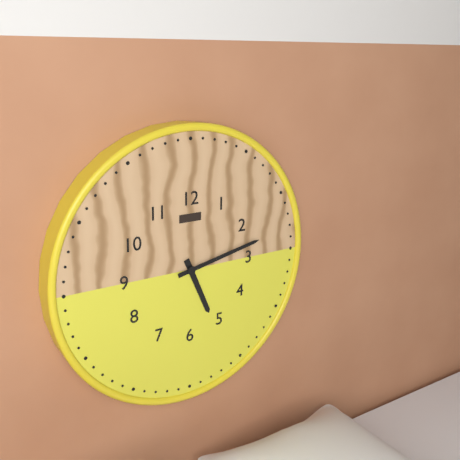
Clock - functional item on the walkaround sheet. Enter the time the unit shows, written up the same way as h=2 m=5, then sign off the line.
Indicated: h=5 m=13
